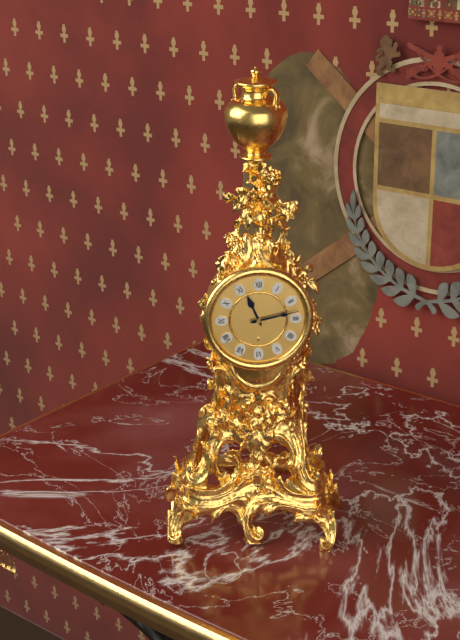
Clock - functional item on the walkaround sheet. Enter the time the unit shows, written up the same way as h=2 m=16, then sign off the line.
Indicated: h=11 m=13
